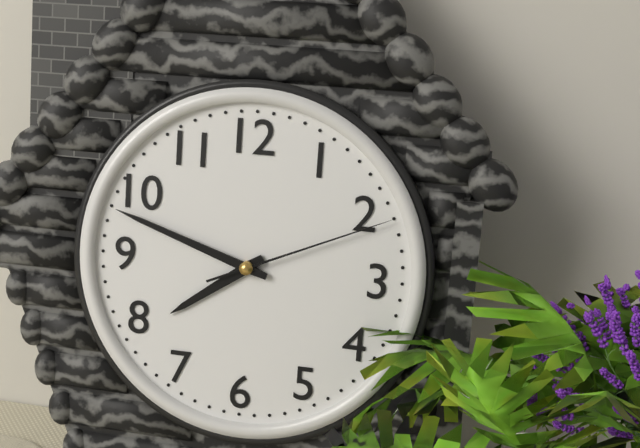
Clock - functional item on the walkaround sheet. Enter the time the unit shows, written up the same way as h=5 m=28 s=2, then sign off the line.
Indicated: h=7 m=48 s=11
